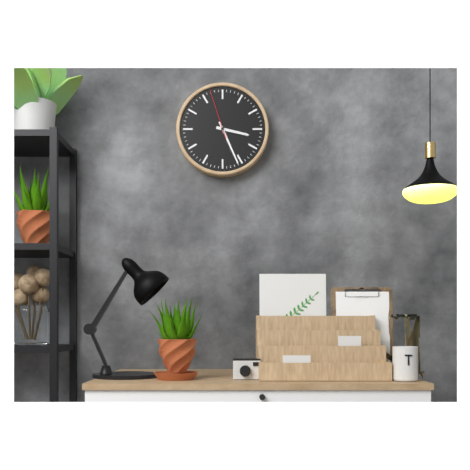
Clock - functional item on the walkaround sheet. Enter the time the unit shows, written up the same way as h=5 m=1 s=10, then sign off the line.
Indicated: h=3 m=26 s=57
